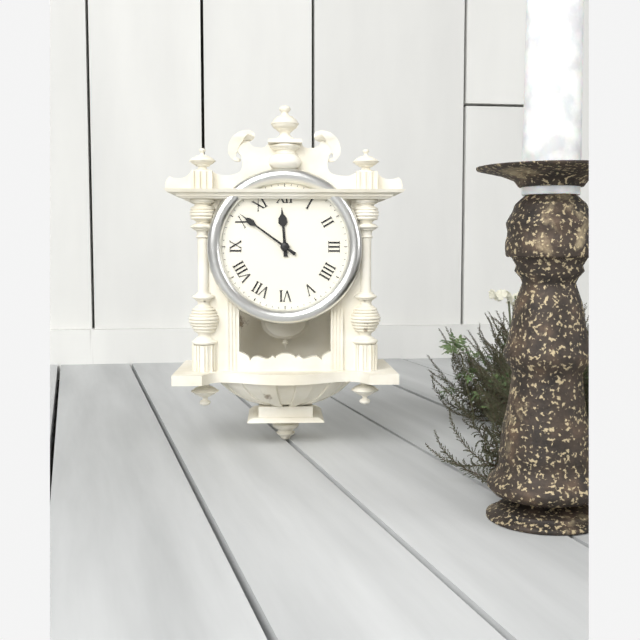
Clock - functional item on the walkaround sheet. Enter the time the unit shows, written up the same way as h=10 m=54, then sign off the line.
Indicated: h=11 m=51
